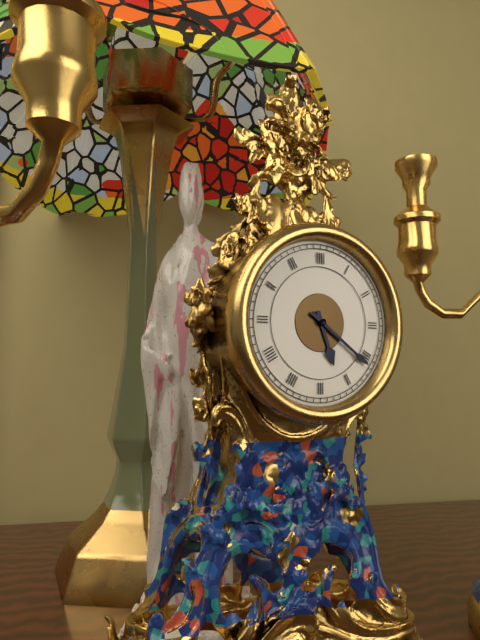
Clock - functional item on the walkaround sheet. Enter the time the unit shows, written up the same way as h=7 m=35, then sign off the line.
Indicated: h=5 m=21
